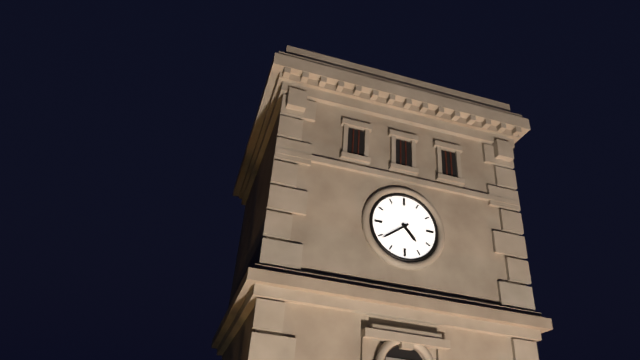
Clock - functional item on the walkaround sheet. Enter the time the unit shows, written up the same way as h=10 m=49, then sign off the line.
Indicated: h=4 m=39
